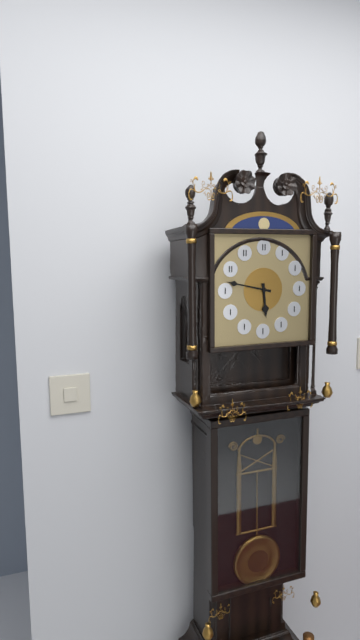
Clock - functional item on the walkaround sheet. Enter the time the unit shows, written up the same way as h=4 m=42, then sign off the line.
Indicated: h=5 m=47
